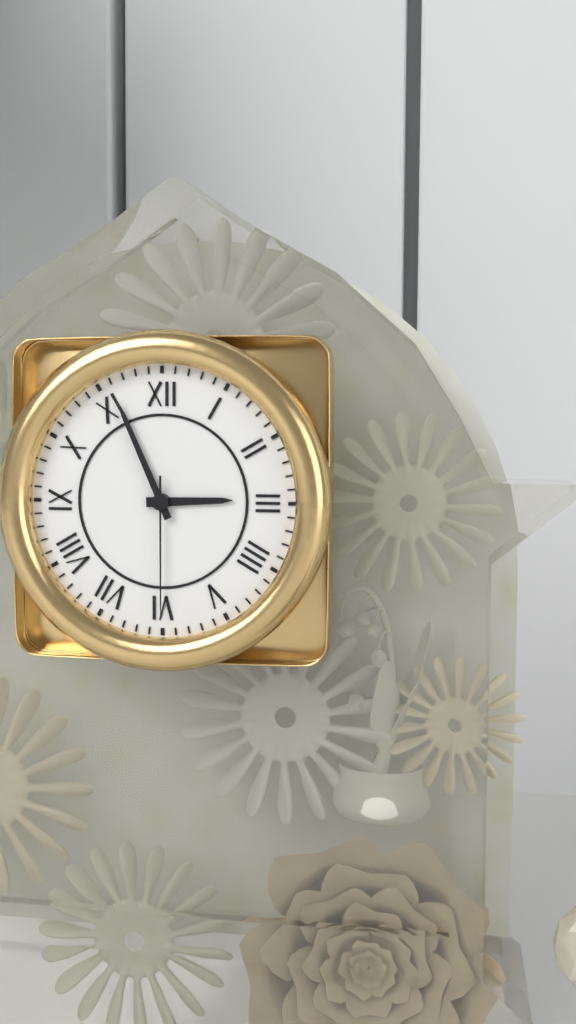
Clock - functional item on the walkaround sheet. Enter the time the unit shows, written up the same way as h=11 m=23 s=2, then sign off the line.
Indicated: h=2 m=56 s=30
